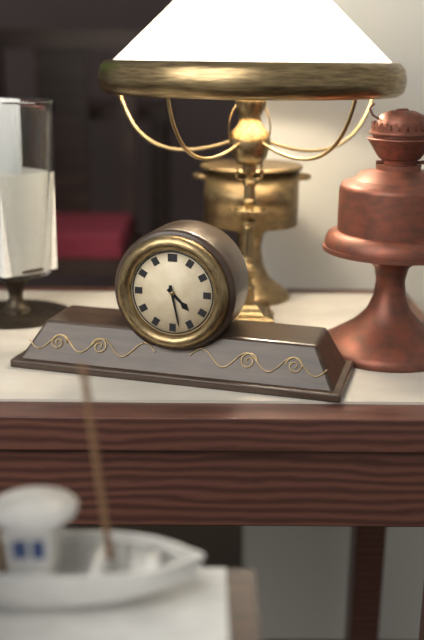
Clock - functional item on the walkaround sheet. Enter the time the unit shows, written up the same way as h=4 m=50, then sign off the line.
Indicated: h=4 m=28
